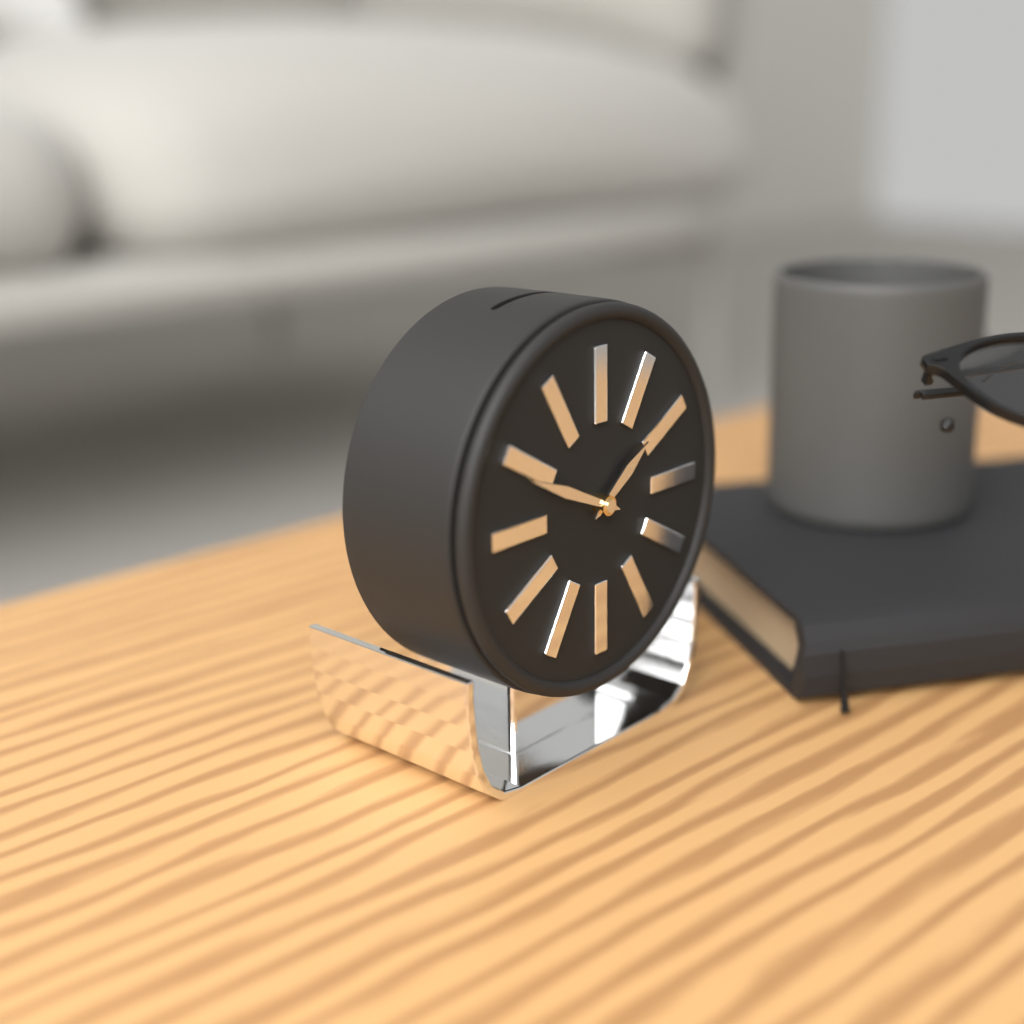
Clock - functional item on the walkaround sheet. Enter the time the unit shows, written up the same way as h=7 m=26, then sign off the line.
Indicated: h=1 m=49
